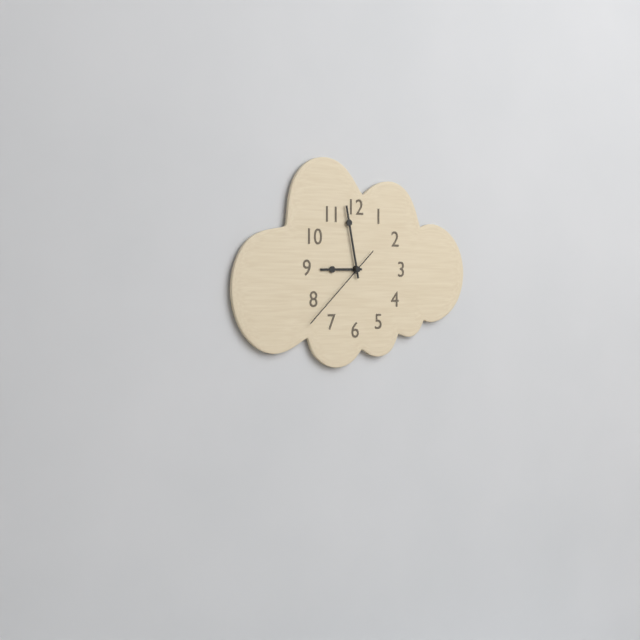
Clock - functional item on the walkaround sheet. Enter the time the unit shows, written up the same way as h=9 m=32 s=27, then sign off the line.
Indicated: h=8 m=58 s=38
